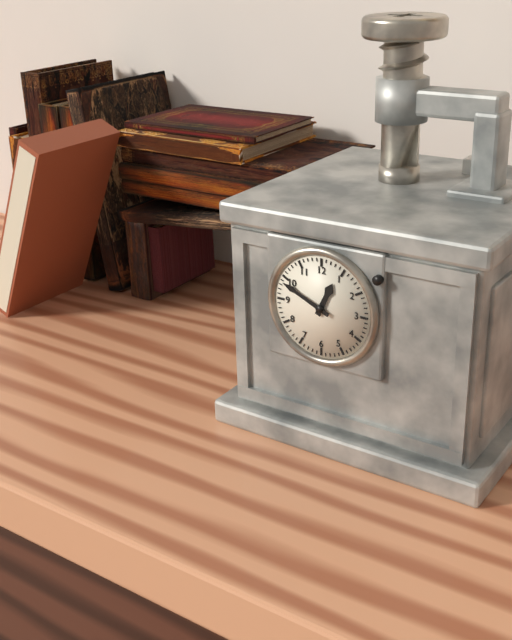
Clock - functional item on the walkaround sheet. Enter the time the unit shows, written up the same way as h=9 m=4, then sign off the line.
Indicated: h=12 m=49
